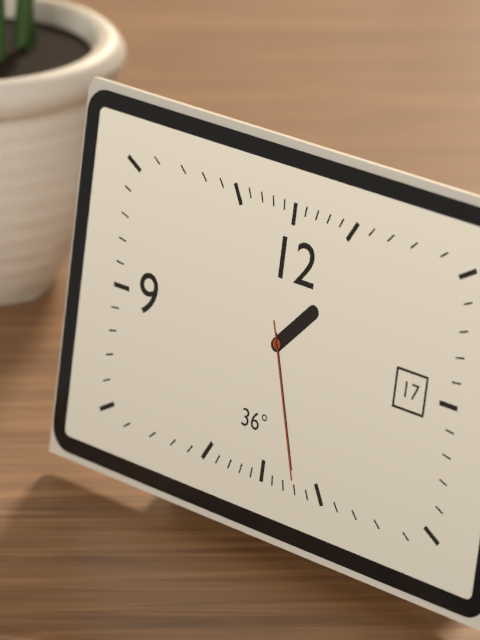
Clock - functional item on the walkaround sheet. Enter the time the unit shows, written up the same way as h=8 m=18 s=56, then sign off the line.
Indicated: h=1 m=27 s=27
